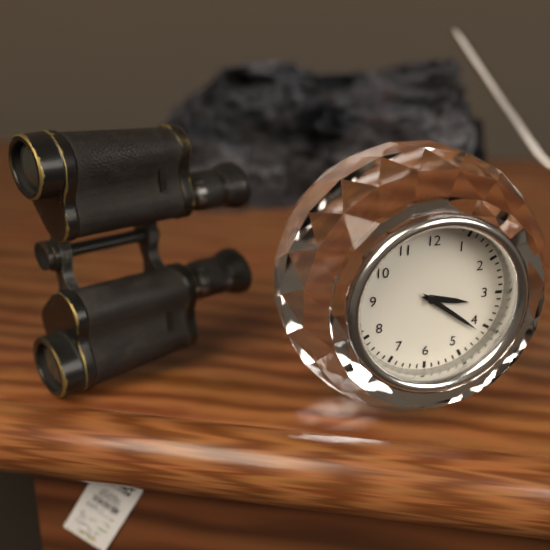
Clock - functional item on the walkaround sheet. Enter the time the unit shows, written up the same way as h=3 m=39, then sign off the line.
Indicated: h=3 m=21
